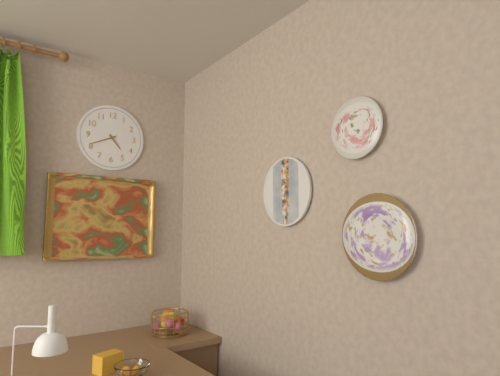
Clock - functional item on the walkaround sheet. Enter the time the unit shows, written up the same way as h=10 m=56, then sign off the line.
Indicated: h=4 m=41
